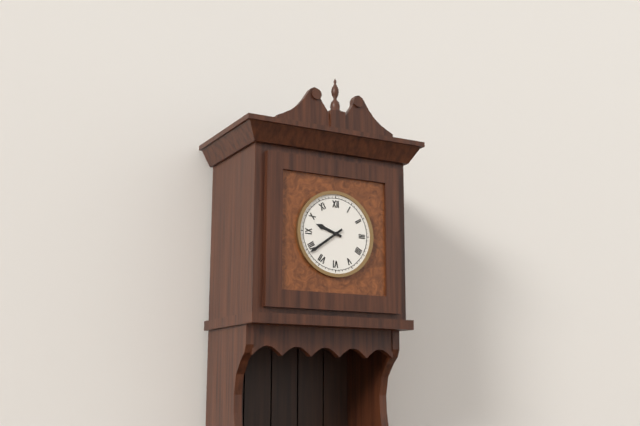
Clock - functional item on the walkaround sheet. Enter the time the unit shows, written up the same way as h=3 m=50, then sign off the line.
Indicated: h=9 m=39
